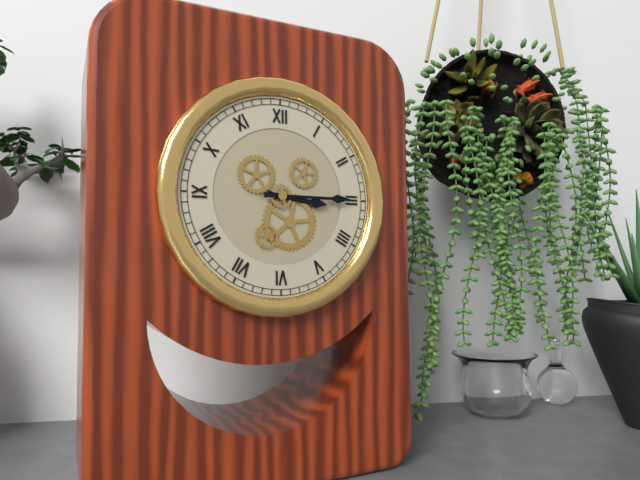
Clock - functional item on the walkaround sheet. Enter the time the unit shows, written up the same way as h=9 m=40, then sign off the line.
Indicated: h=3 m=15
